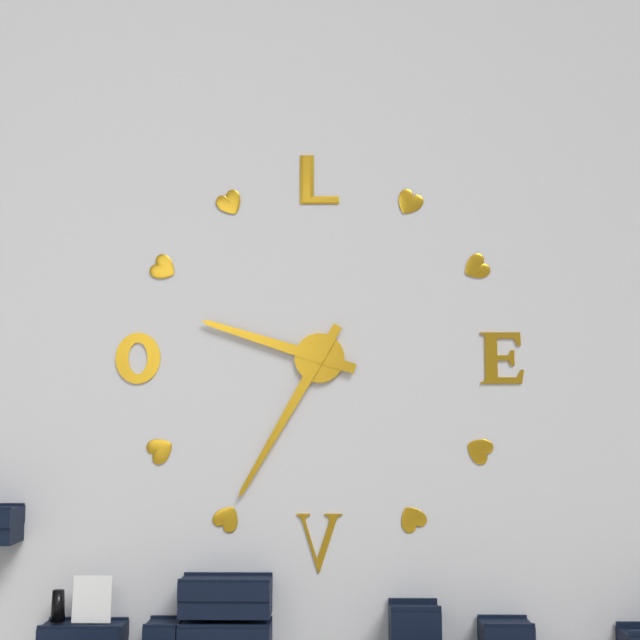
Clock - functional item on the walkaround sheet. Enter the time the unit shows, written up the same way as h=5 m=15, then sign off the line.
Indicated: h=9 m=35
